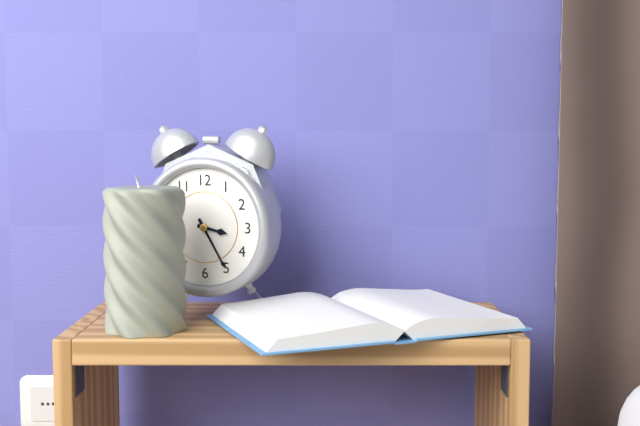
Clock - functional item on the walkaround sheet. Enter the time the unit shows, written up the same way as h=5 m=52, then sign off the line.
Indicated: h=3 m=25
